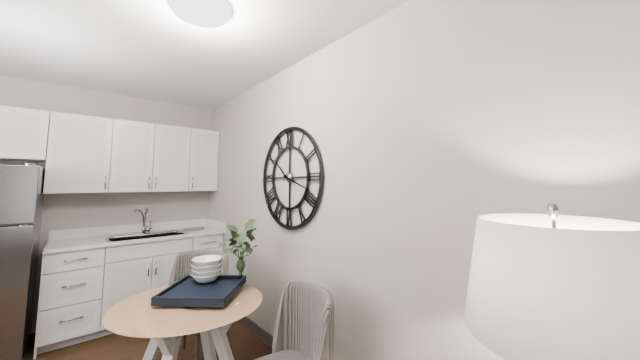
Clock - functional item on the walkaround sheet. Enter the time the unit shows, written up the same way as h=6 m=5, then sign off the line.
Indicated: h=10 m=18
